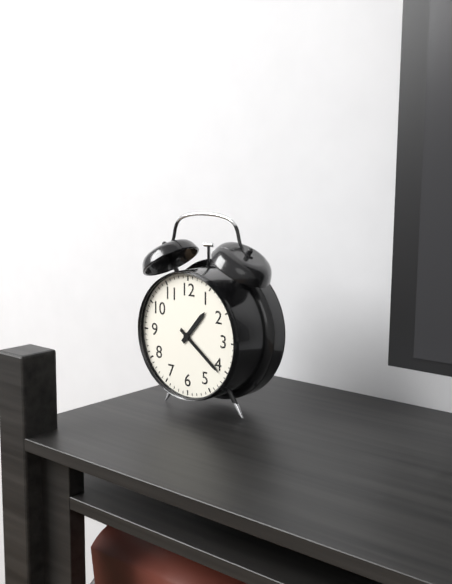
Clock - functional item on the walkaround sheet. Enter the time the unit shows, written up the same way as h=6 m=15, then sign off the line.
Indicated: h=1 m=21
